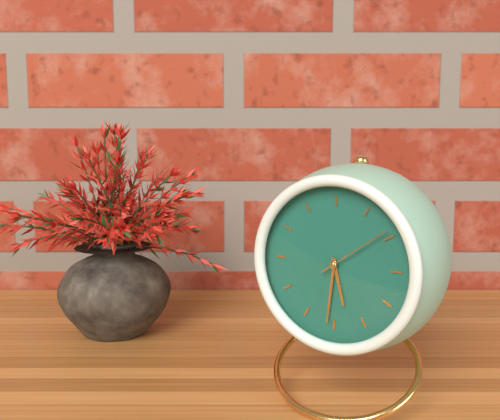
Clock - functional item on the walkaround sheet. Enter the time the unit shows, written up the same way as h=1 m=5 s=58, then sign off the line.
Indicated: h=5 m=31 s=9
